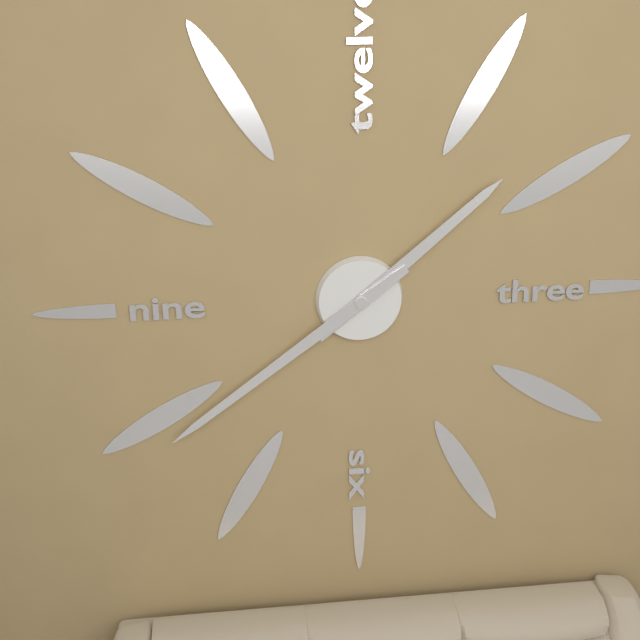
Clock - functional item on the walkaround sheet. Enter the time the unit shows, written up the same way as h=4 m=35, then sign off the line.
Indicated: h=1 m=39
